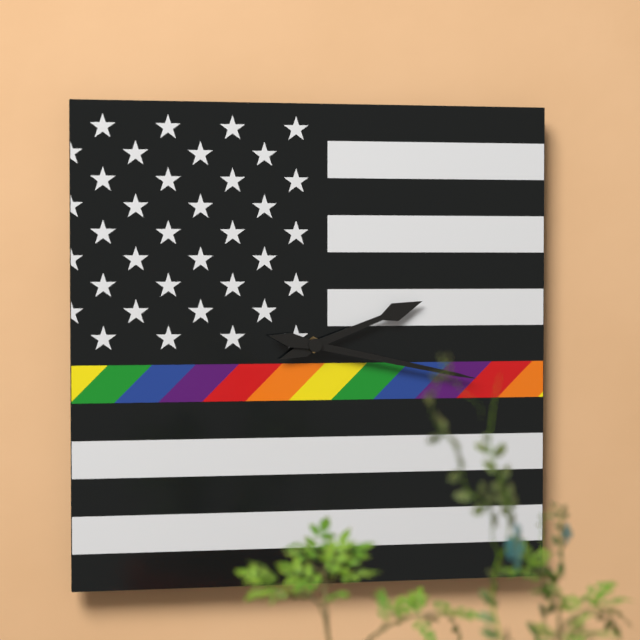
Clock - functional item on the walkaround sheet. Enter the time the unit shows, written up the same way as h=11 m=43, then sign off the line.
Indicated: h=2 m=17
